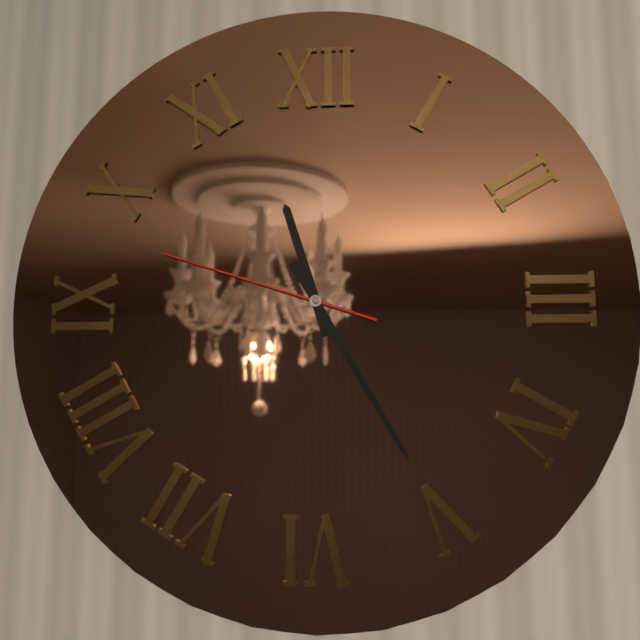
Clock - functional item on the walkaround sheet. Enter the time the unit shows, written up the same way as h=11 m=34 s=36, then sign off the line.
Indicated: h=11 m=25 s=48
